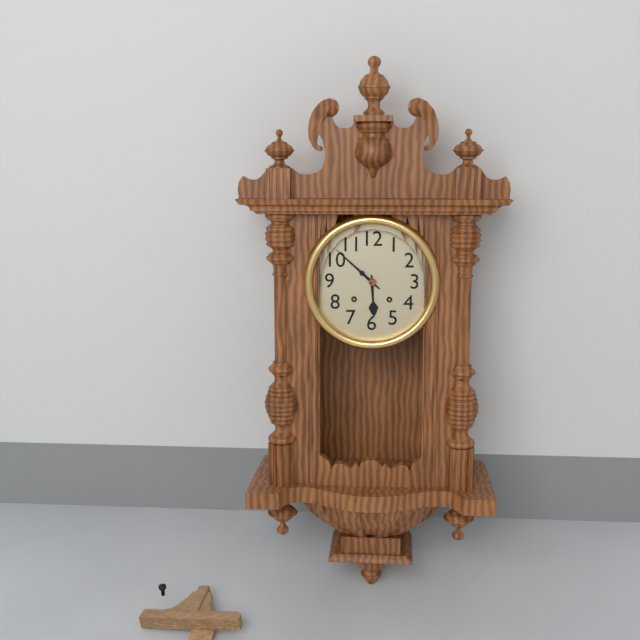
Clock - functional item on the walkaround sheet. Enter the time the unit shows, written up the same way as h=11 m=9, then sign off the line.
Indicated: h=5 m=52
